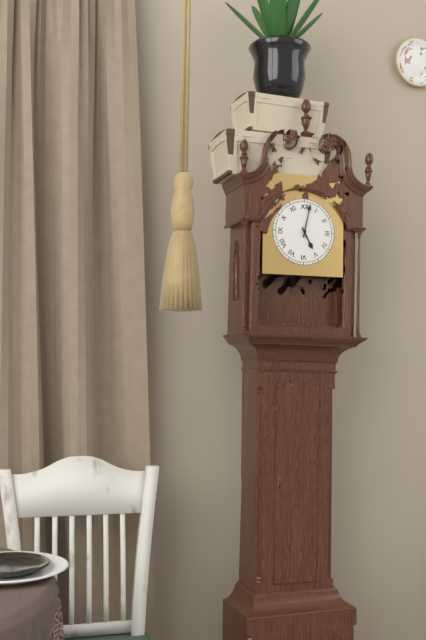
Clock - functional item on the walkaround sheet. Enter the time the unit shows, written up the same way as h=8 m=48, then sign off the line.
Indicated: h=5 m=2
